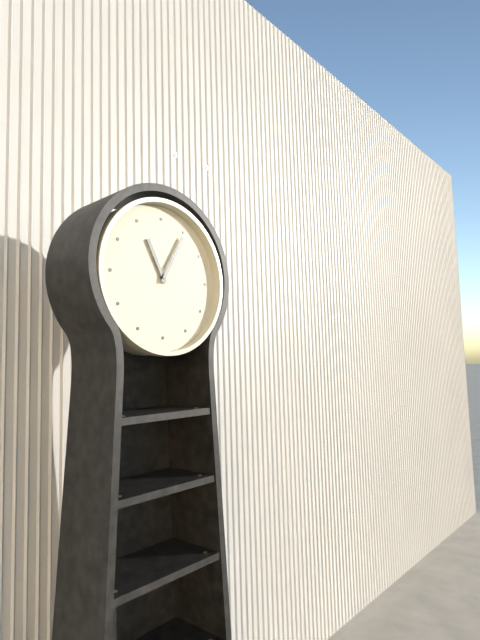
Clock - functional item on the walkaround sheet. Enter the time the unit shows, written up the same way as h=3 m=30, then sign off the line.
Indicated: h=11 m=5
